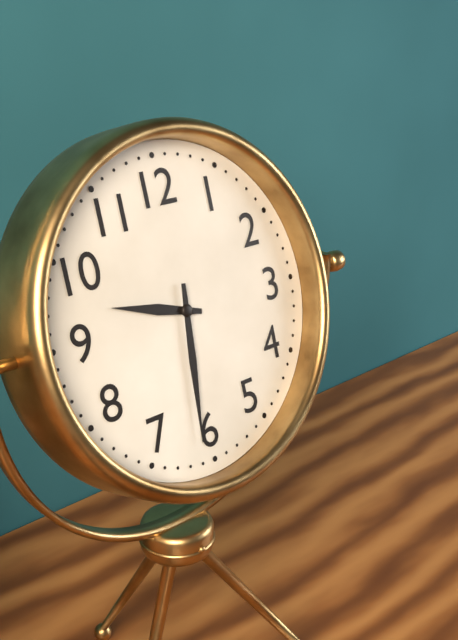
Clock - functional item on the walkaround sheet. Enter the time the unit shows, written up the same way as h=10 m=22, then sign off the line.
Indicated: h=9 m=31
